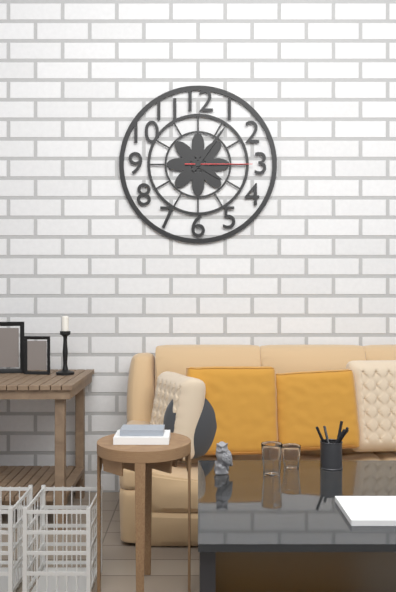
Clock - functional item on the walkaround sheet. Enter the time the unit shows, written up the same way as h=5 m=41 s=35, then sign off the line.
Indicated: h=4 m=6 s=15
